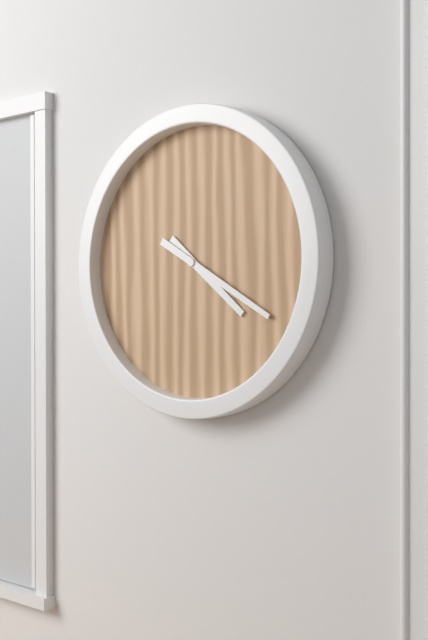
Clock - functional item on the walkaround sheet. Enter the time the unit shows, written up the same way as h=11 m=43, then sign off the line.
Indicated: h=4 m=20
